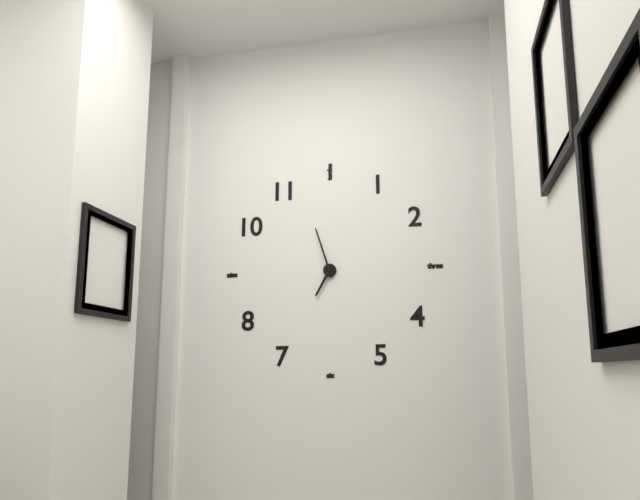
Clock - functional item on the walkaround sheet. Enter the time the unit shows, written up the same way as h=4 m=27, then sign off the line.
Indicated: h=6 m=57
